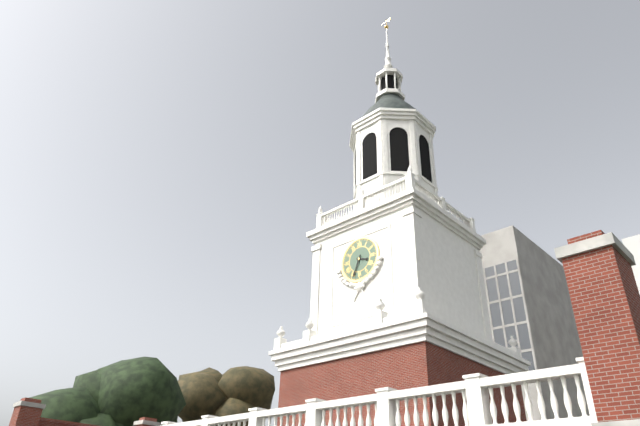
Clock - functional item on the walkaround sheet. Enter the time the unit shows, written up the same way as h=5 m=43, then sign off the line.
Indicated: h=3 m=34
